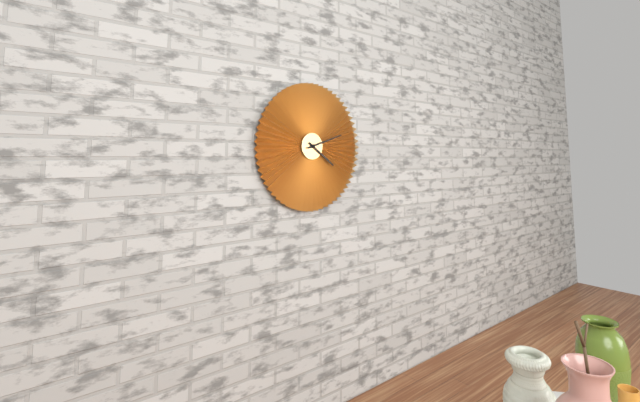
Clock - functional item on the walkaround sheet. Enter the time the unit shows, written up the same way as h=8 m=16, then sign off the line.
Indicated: h=4 m=12
